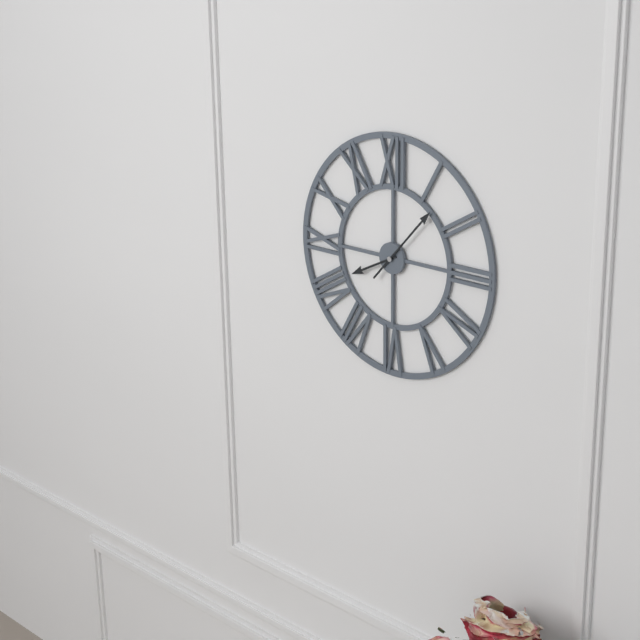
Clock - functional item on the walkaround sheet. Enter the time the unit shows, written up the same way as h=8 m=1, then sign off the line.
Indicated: h=8 m=7
